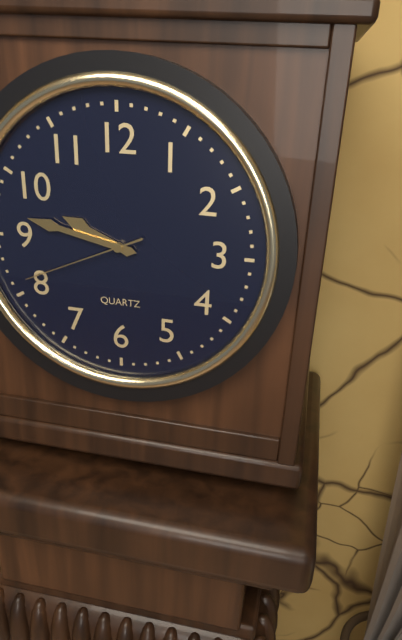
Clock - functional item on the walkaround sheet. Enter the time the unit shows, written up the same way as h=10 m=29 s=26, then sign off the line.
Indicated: h=9 m=47 s=41
